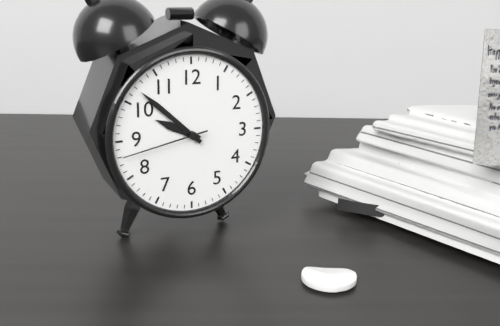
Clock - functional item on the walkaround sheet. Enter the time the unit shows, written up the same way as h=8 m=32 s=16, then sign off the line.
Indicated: h=9 m=52 s=43
